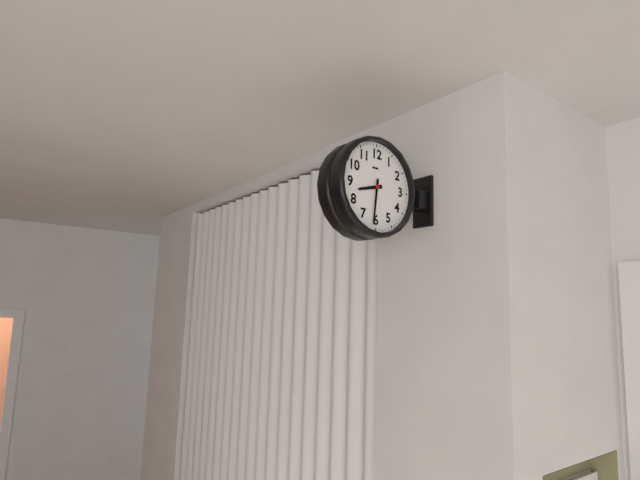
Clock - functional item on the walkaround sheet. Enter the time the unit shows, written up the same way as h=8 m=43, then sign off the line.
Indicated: h=8 m=31
